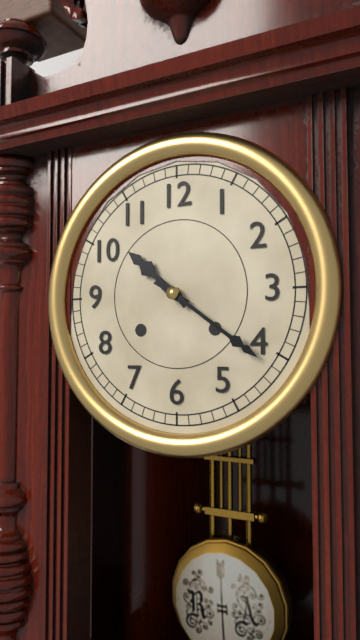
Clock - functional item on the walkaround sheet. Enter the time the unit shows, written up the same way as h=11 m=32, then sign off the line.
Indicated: h=10 m=21
